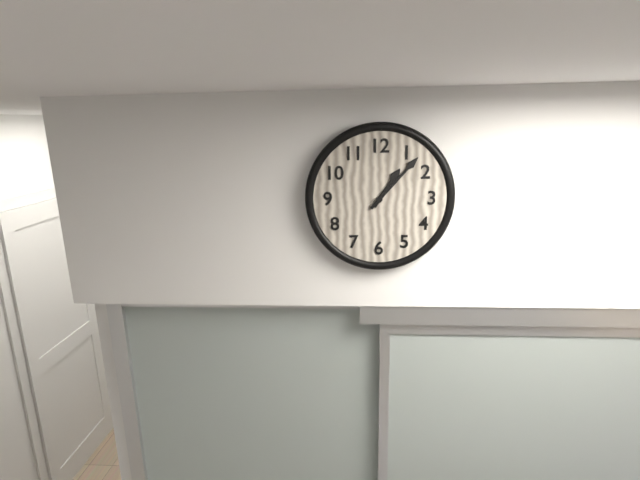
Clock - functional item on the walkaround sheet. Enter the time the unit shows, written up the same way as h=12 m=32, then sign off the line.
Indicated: h=1 m=7
